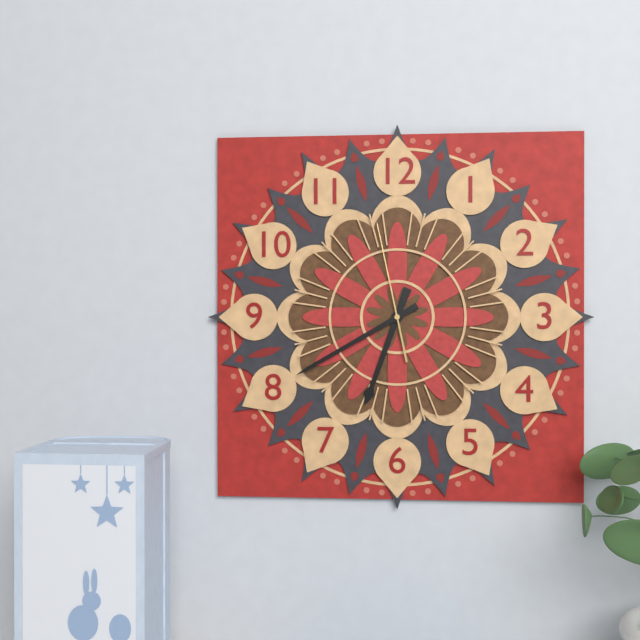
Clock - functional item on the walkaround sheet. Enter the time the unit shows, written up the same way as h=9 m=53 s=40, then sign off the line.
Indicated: h=6 m=40 s=58
